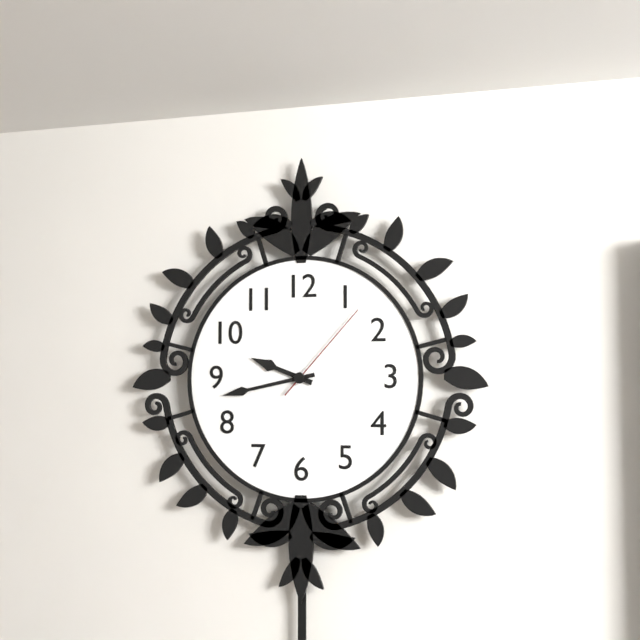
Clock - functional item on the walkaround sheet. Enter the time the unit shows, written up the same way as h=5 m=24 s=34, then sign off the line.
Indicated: h=9 m=43 s=7
